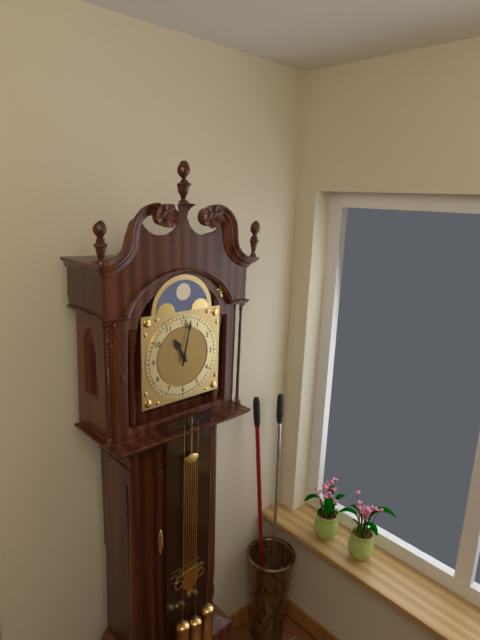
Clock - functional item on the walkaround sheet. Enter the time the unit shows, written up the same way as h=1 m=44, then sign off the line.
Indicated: h=11 m=2
